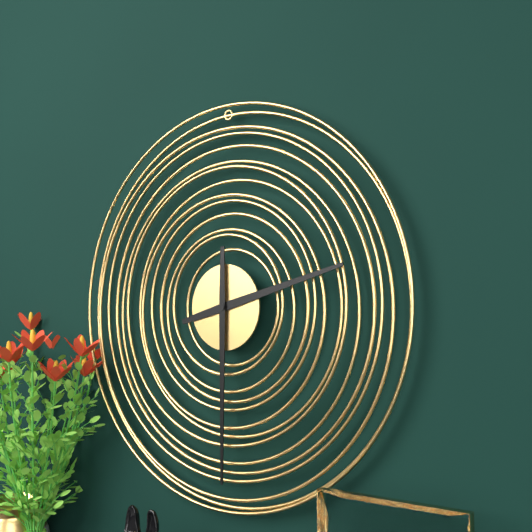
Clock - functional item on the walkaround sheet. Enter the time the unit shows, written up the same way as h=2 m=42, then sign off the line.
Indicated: h=2 m=30
